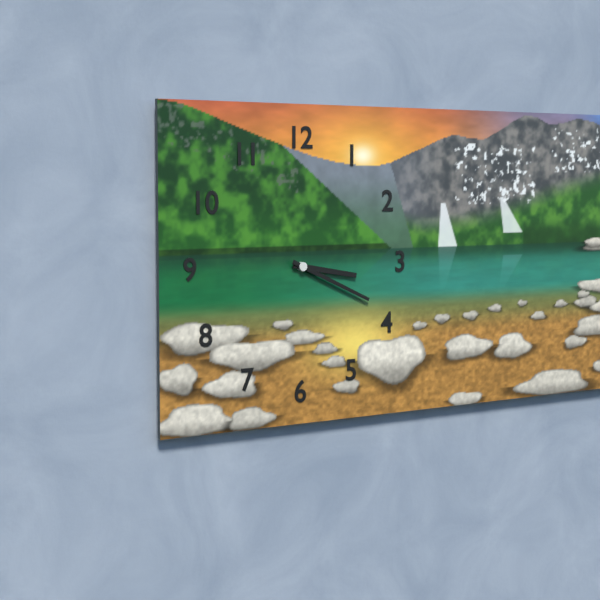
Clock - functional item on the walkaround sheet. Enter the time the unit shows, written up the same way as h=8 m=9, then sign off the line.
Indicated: h=3 m=19
